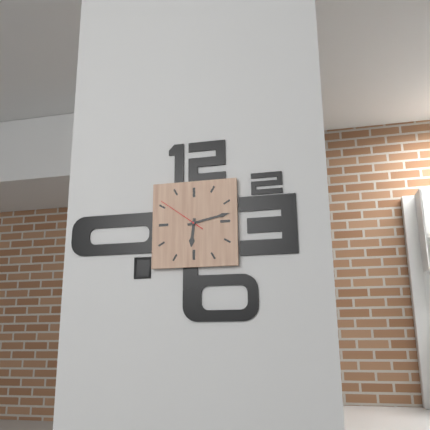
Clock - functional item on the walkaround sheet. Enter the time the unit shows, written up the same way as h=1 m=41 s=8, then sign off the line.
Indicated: h=6 m=13 s=51
